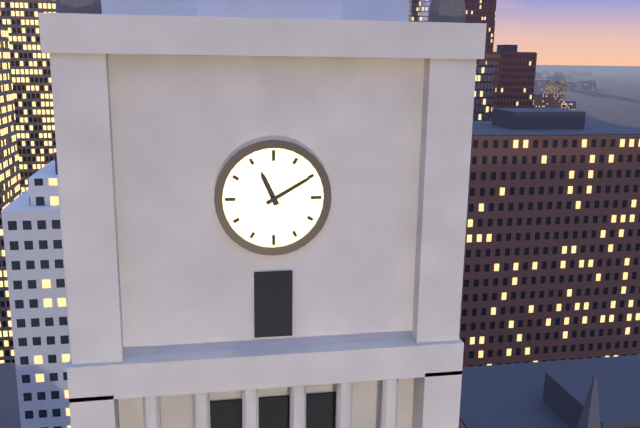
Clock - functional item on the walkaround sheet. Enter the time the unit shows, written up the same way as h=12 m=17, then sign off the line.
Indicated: h=11 m=10
